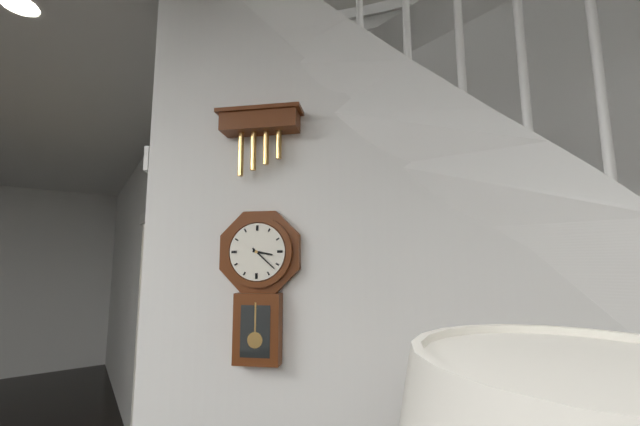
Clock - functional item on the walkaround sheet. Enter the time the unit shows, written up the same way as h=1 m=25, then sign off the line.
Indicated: h=3 m=22
